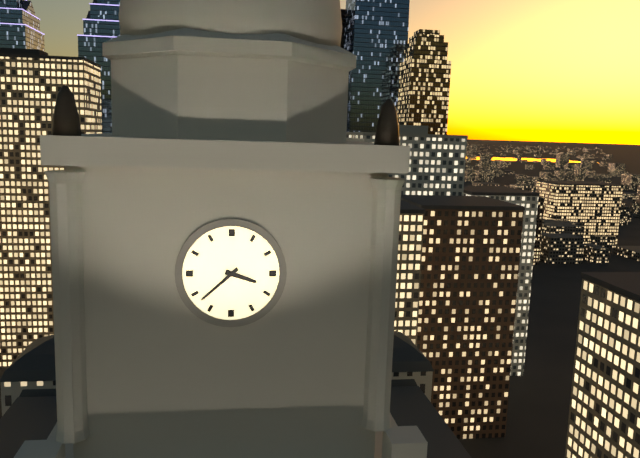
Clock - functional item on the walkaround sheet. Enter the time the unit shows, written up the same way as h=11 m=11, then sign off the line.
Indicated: h=3 m=38
